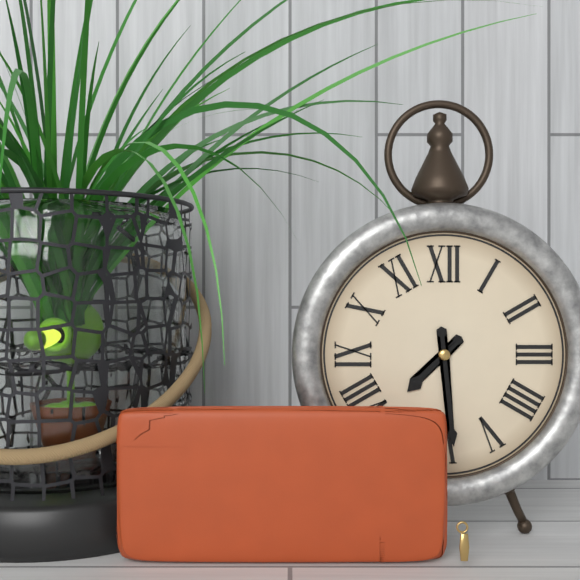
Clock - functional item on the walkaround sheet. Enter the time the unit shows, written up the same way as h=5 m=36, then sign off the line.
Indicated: h=7 m=29
